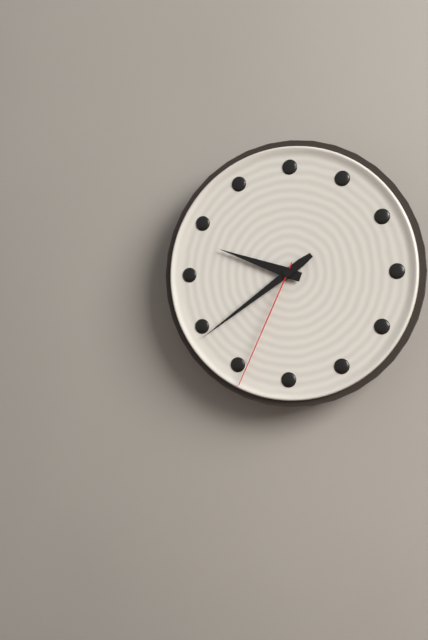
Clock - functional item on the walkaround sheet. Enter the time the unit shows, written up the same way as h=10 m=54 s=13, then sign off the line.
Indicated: h=9 m=39 s=34
